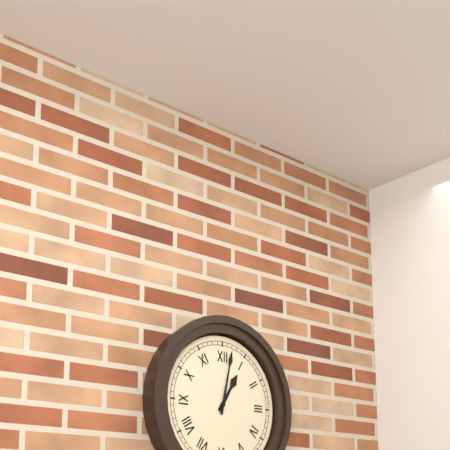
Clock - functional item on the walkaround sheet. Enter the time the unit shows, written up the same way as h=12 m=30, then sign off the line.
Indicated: h=1 m=2
